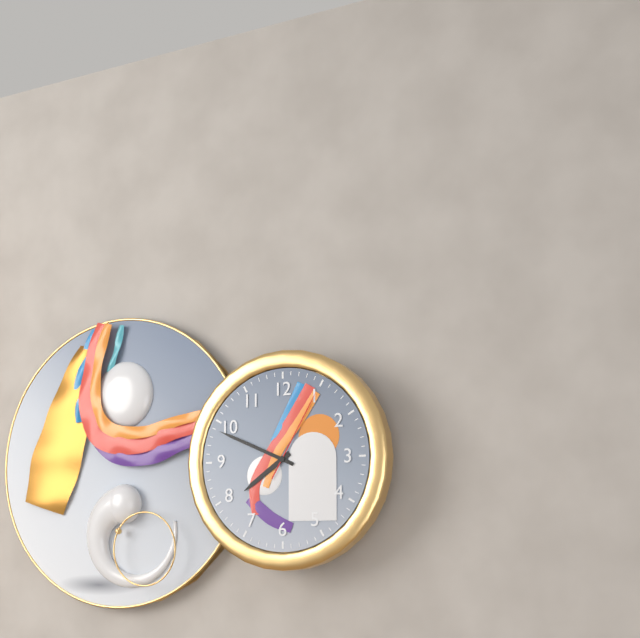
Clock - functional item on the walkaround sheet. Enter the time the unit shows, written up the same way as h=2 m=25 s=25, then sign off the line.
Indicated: h=7 m=49 s=5
